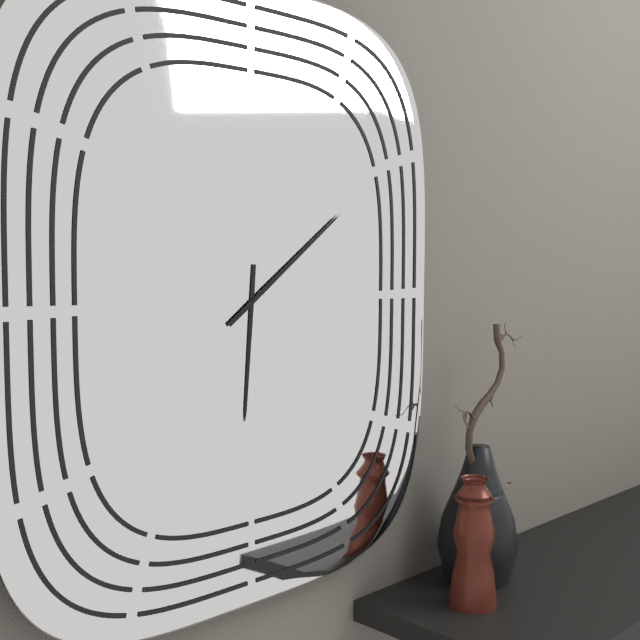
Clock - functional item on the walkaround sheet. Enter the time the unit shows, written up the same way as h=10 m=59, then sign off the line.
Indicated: h=6 m=9
